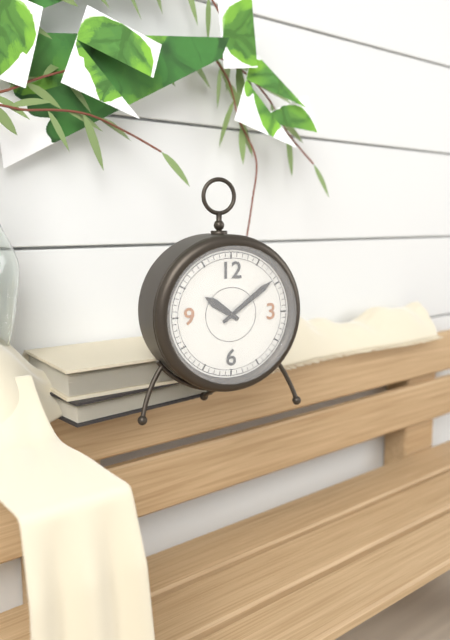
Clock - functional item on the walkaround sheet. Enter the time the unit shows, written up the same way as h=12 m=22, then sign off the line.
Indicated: h=10 m=9
